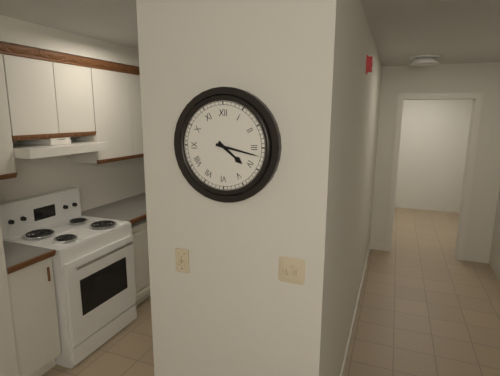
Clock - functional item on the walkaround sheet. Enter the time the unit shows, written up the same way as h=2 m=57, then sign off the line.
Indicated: h=4 m=17
